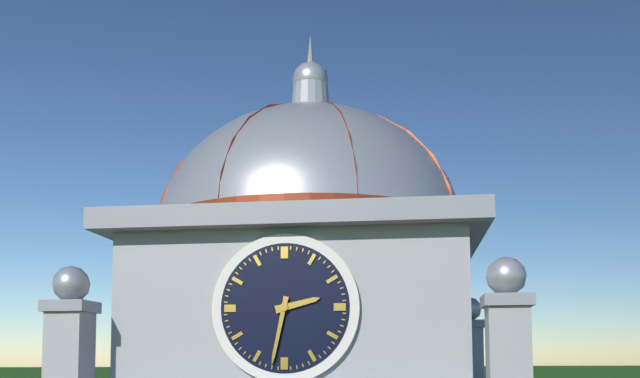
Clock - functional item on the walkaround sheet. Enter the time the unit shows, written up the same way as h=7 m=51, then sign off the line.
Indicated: h=2 m=32
